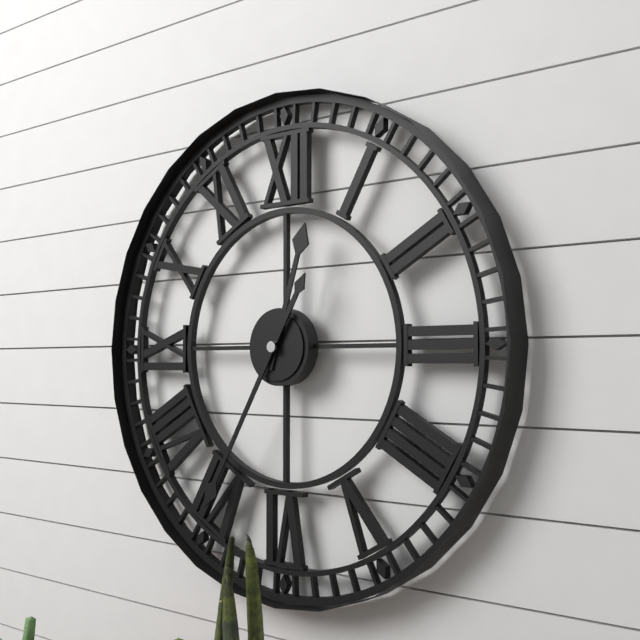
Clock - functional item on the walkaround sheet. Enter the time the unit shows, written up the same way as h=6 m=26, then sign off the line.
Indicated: h=12 m=35
